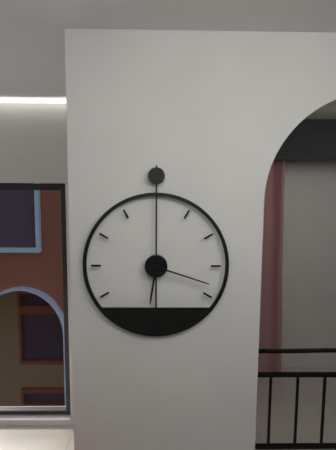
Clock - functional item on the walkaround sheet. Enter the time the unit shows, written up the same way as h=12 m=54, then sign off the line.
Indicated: h=6 m=18
